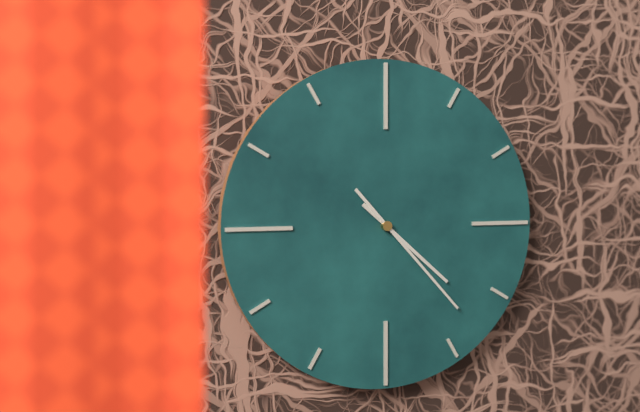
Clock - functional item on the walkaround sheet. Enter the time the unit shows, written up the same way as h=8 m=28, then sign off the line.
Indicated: h=4 m=23
